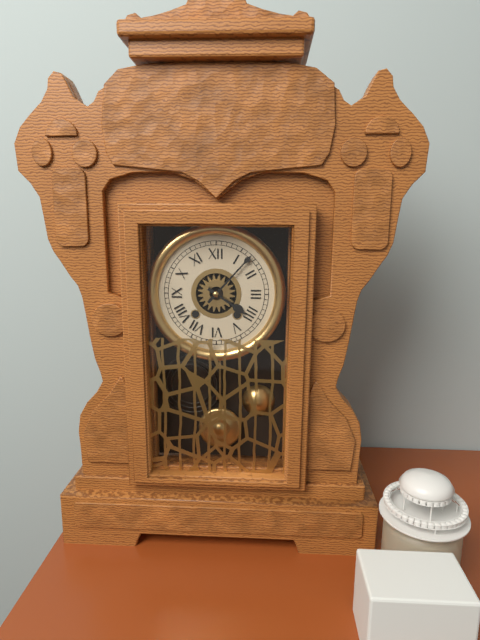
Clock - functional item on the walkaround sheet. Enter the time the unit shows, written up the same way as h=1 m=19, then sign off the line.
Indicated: h=4 m=7
